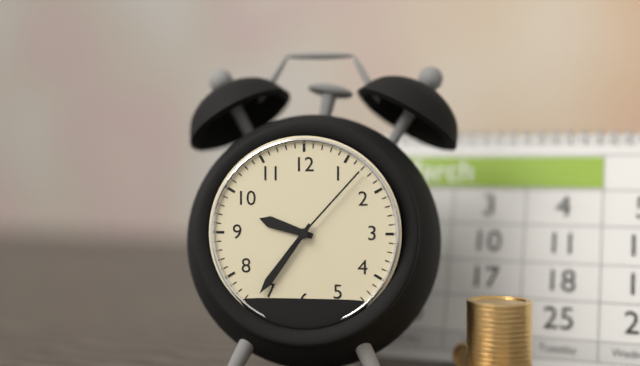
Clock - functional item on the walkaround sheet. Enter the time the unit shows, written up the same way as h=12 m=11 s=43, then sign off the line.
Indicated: h=9 m=36 s=7
